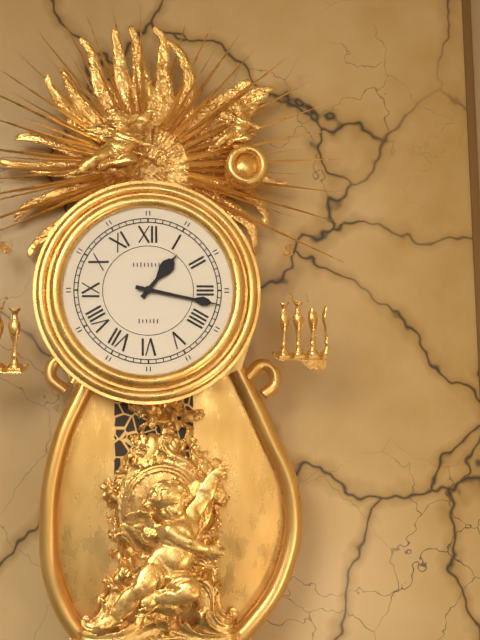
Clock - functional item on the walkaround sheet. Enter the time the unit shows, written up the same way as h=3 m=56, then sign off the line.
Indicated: h=1 m=17
